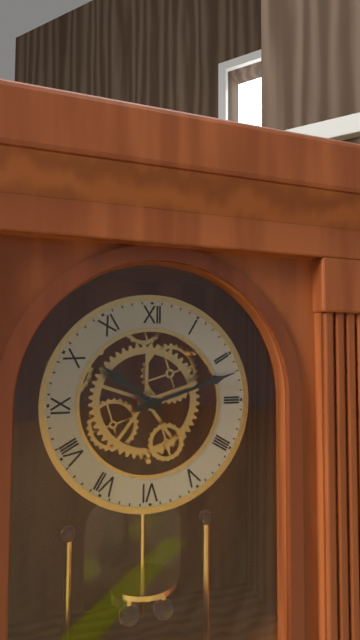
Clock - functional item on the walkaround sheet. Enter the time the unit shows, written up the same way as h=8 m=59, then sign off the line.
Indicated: h=10 m=12
